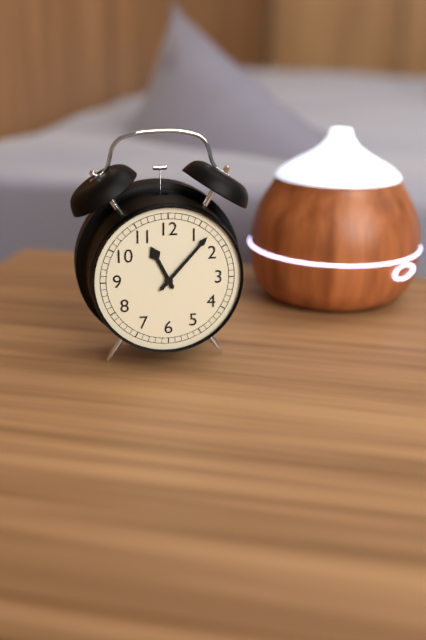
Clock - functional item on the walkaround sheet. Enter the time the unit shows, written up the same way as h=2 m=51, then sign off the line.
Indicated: h=11 m=7
